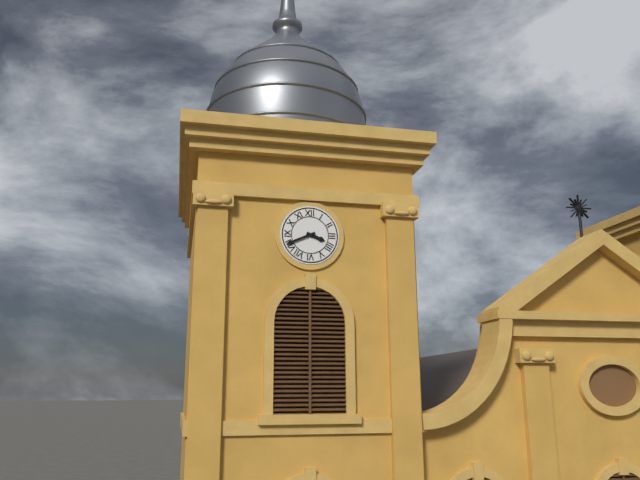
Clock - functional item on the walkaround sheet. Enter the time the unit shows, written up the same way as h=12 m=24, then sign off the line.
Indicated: h=3 m=41
